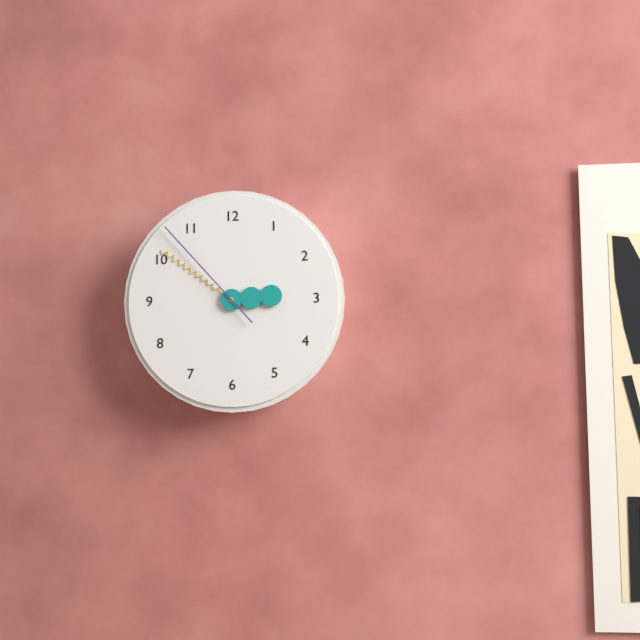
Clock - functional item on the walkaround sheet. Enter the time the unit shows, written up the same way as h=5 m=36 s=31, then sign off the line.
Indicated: h=2 m=51 s=53
